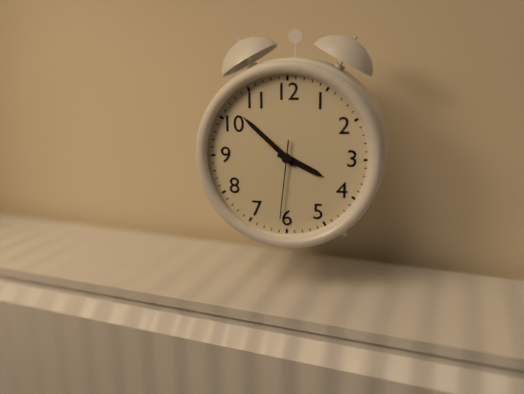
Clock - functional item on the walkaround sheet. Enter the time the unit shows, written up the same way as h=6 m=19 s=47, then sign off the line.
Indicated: h=3 m=52 s=31
